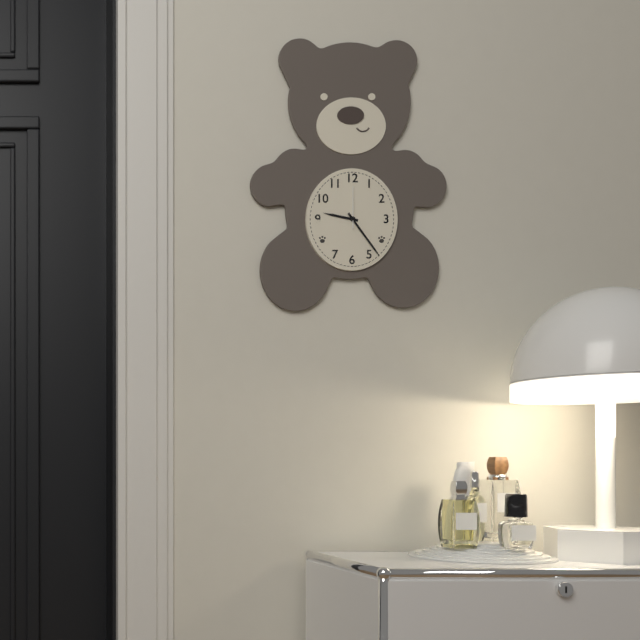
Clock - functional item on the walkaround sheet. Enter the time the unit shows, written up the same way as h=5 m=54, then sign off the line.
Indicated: h=9 m=24
